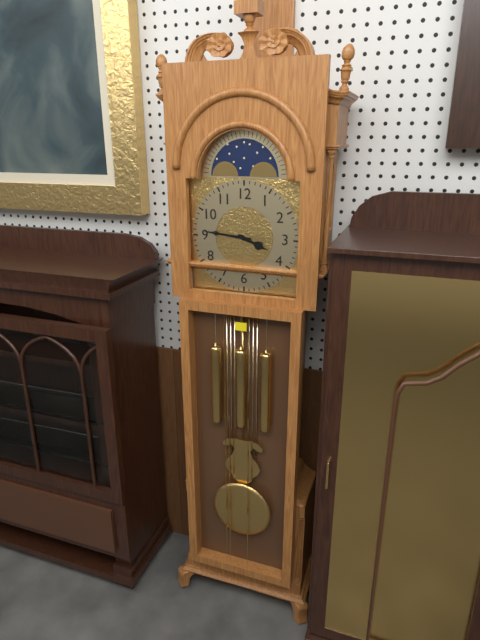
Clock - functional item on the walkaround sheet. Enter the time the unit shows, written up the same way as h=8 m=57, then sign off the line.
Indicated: h=3 m=46
